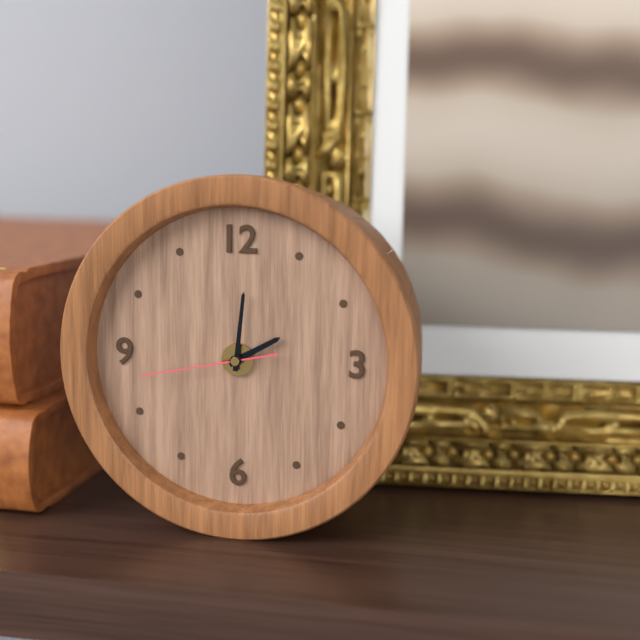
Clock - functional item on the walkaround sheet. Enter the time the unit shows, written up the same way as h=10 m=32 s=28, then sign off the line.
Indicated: h=2 m=1 s=43
